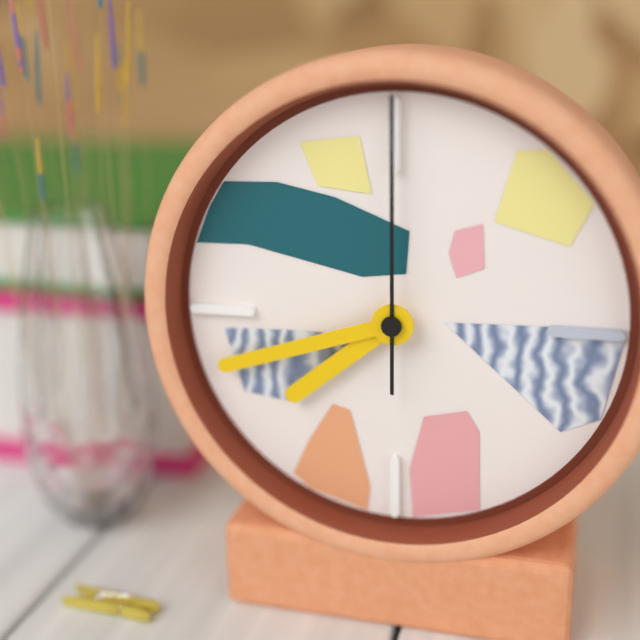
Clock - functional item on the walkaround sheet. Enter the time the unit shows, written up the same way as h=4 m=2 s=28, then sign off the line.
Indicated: h=7 m=42 s=0
